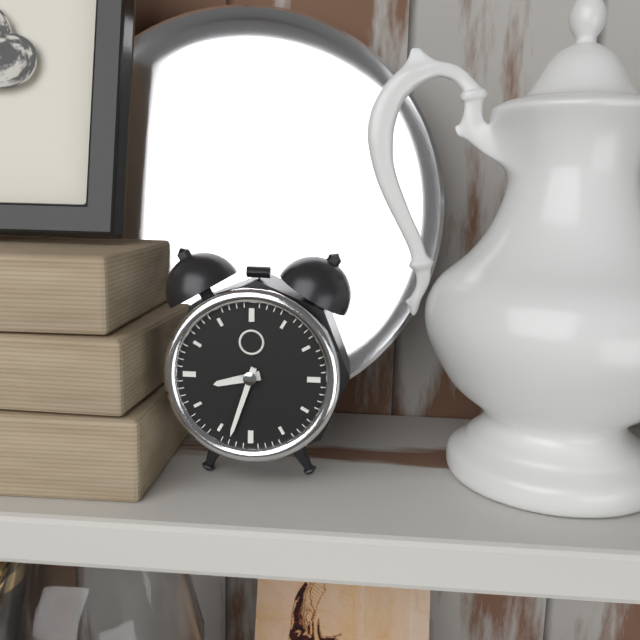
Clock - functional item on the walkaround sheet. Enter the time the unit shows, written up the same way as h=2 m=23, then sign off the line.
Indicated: h=8 m=33
